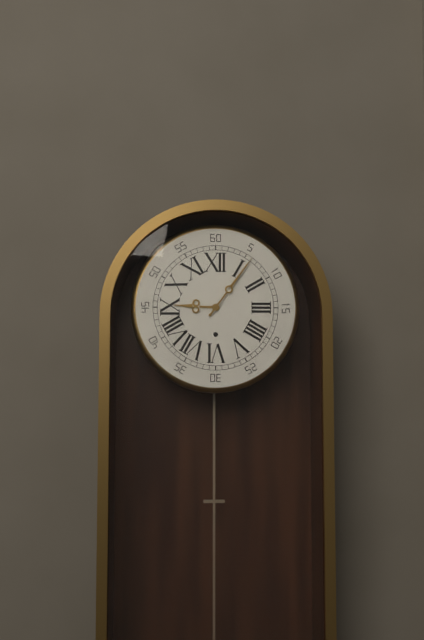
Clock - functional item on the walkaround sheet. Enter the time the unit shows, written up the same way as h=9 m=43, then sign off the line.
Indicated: h=9 m=6
